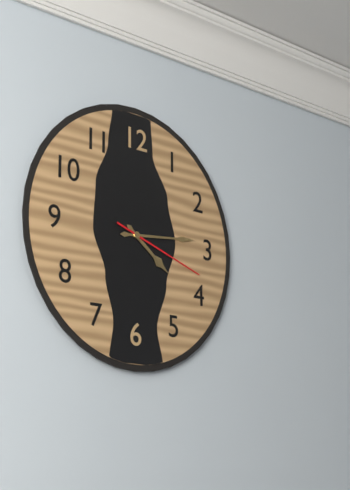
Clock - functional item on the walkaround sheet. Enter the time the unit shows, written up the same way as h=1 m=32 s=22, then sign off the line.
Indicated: h=4 m=14 s=18
